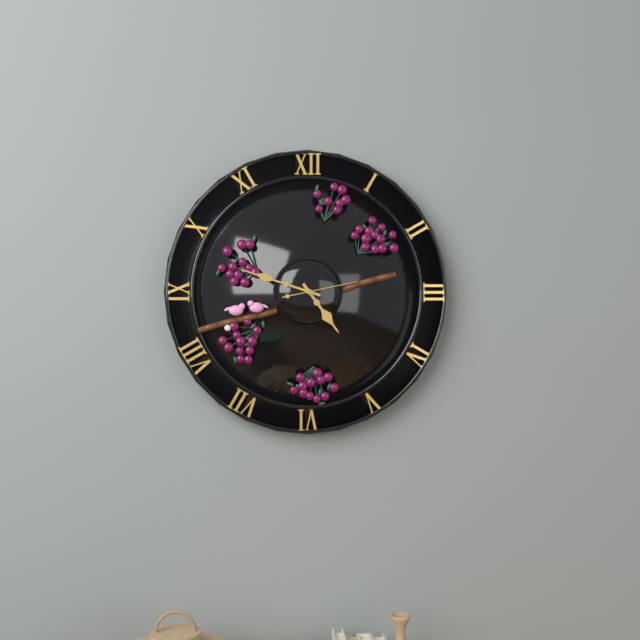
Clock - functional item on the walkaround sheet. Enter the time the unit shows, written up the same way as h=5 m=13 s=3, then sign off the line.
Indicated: h=4 m=48 s=13
